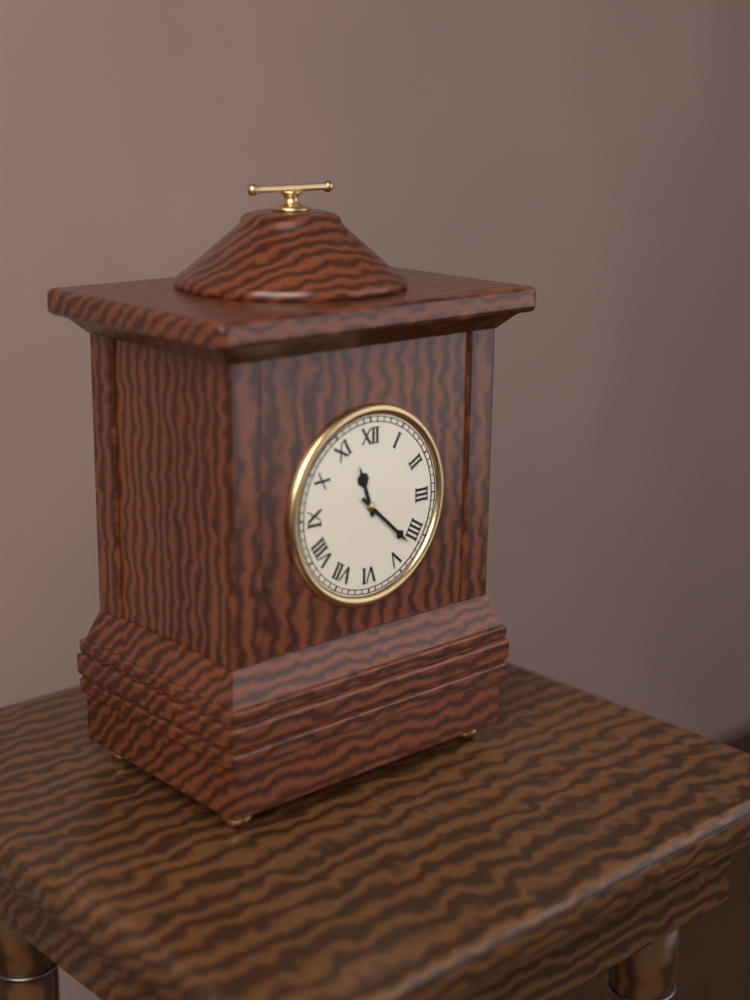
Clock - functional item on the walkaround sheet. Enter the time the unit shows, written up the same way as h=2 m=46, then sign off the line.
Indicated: h=11 m=22
